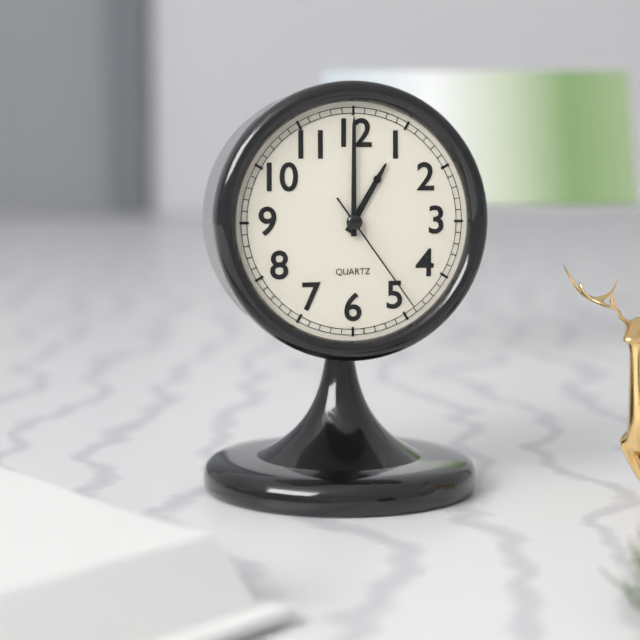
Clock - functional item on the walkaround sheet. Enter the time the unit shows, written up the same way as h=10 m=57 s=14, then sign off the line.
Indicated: h=1 m=0 s=24
